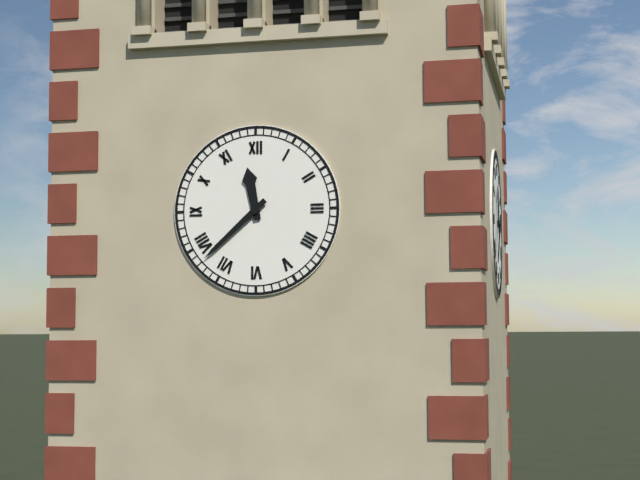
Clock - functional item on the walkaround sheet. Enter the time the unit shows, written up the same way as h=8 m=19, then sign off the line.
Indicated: h=11 m=38
